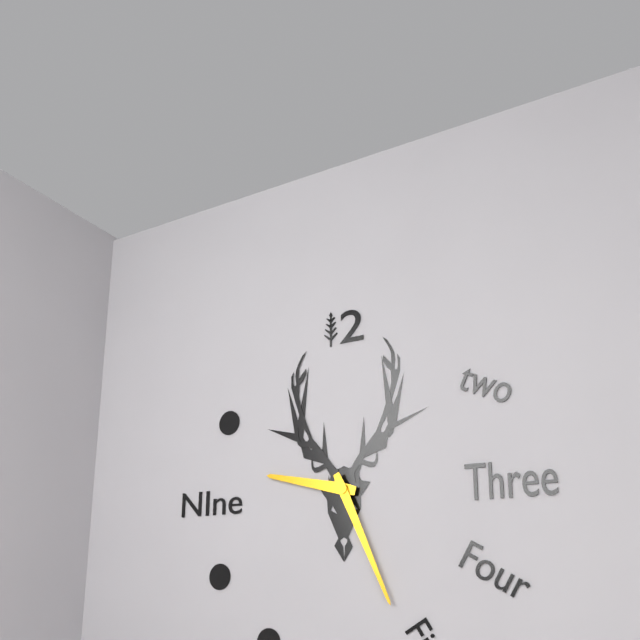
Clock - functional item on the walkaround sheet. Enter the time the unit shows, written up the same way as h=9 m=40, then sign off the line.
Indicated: h=9 m=26
